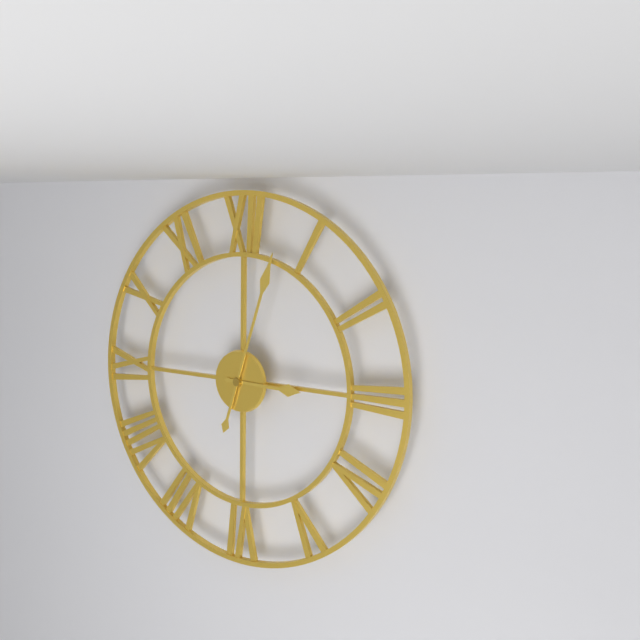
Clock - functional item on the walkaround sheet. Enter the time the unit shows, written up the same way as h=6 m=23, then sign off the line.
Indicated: h=3 m=3
